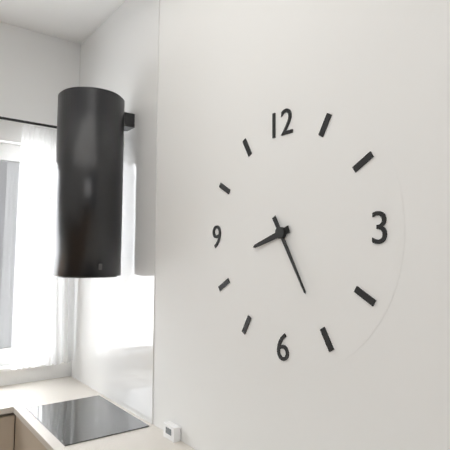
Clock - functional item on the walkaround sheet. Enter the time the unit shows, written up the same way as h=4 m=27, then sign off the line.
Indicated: h=8 m=25
